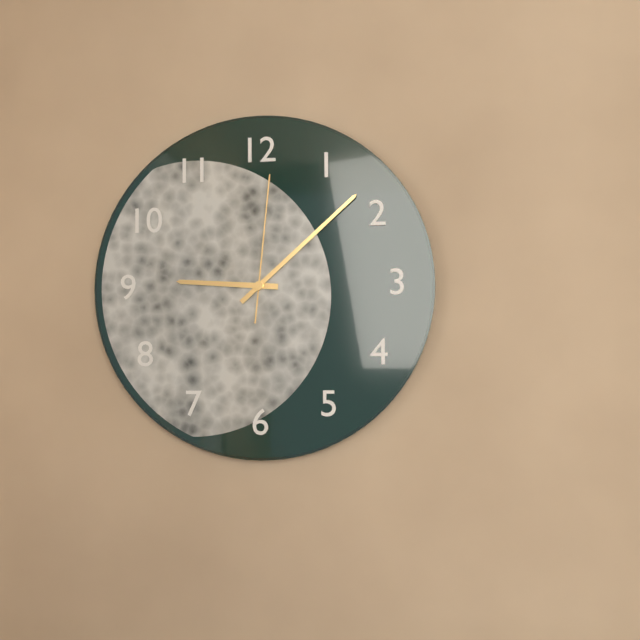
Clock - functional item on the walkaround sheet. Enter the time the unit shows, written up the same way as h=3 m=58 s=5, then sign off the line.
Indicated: h=9 m=8 s=1
